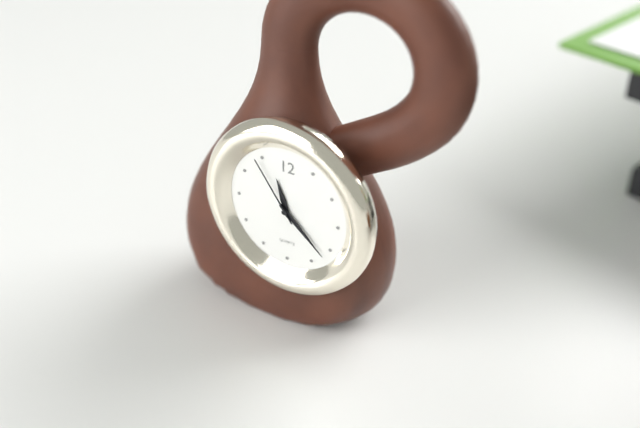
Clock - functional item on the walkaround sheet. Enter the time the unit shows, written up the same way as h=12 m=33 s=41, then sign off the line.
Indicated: h=11 m=22 s=54
